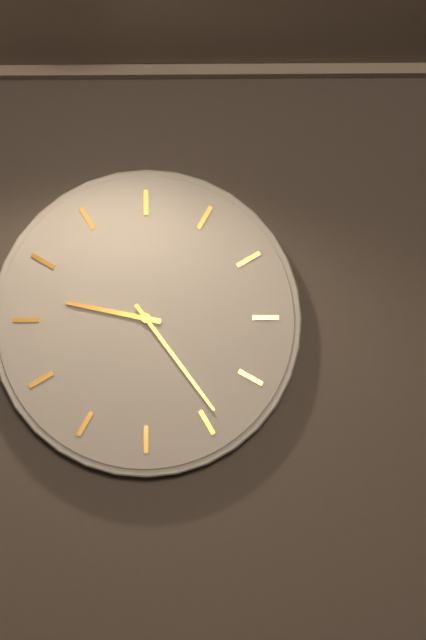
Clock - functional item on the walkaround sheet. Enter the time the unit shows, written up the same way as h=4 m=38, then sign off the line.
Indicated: h=9 m=24
